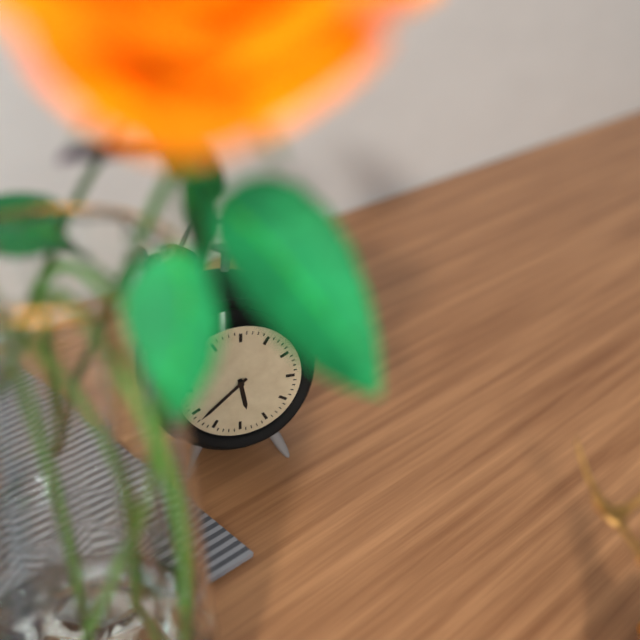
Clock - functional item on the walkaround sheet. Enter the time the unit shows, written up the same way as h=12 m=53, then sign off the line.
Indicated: h=5 m=38
